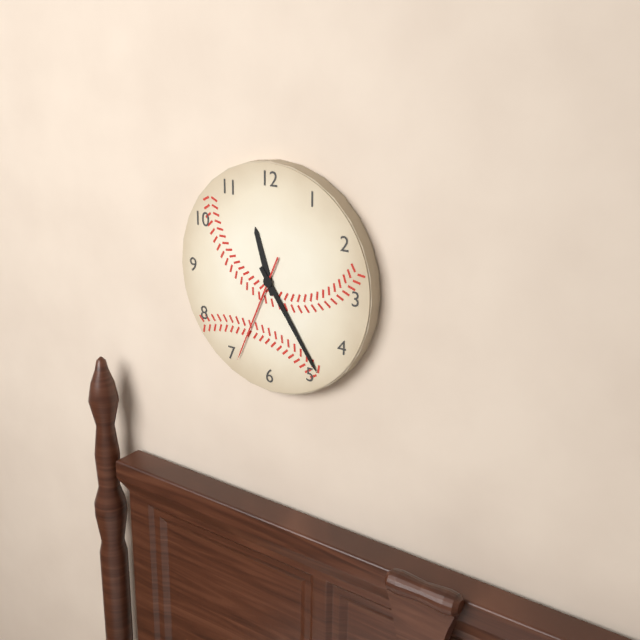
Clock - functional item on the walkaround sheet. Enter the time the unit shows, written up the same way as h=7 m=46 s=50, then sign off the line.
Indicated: h=11 m=24 s=34
